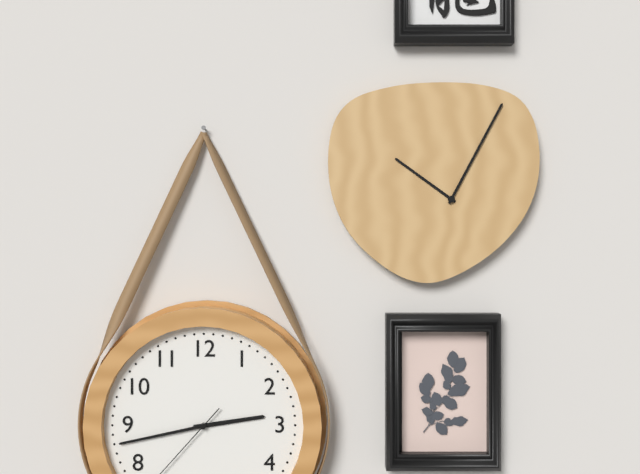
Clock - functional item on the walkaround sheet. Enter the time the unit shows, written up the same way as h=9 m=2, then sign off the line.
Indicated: h=2 m=43
